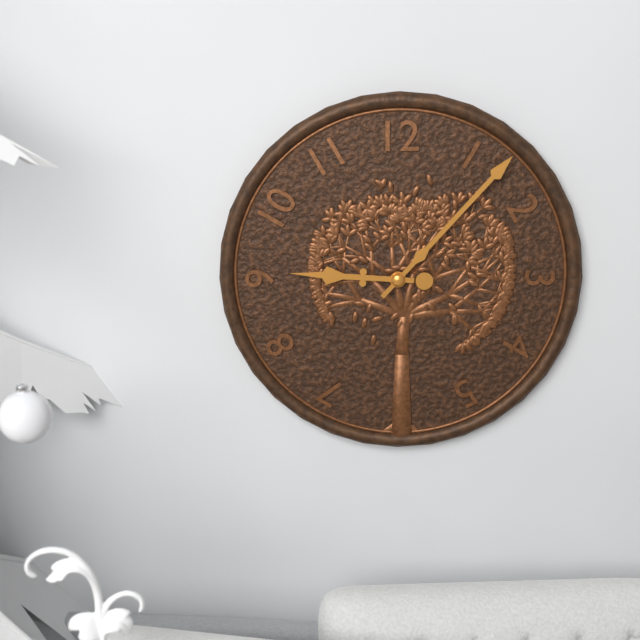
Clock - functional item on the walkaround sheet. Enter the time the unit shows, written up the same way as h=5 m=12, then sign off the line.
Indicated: h=9 m=7
